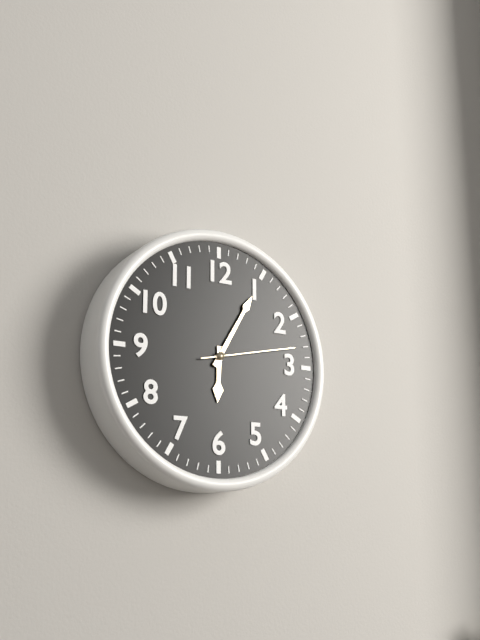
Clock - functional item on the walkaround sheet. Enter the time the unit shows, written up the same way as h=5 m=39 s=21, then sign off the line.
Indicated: h=6 m=5 s=13
